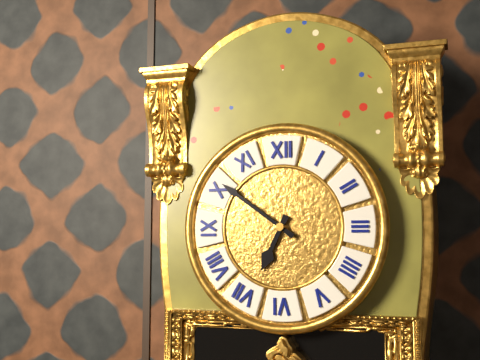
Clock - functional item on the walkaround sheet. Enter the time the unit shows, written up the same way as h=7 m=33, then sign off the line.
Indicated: h=6 m=51
